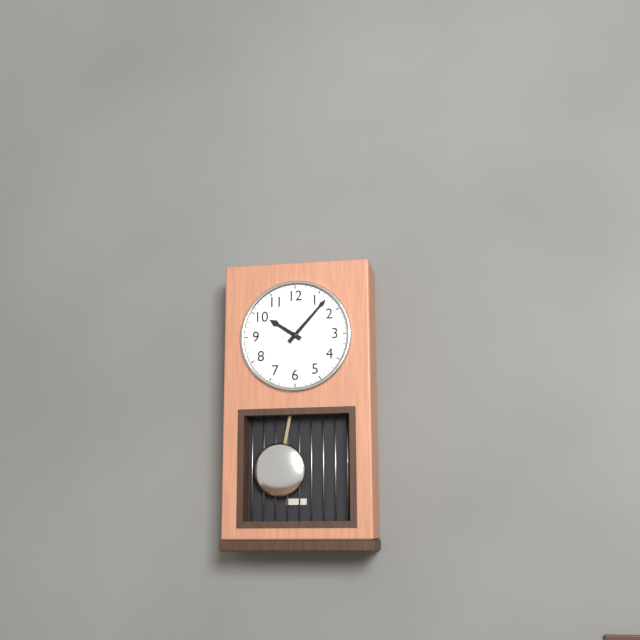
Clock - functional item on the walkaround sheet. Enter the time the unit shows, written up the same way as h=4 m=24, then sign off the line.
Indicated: h=10 m=7
